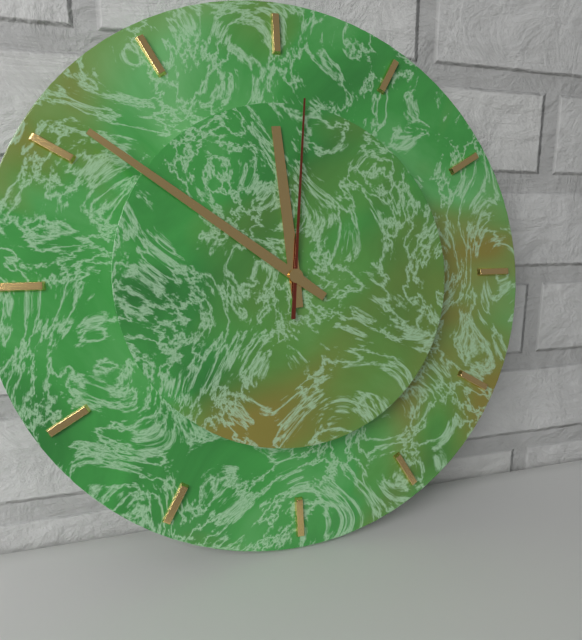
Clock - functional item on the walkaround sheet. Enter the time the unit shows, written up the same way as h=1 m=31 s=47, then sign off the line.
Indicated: h=11 m=51 s=1
